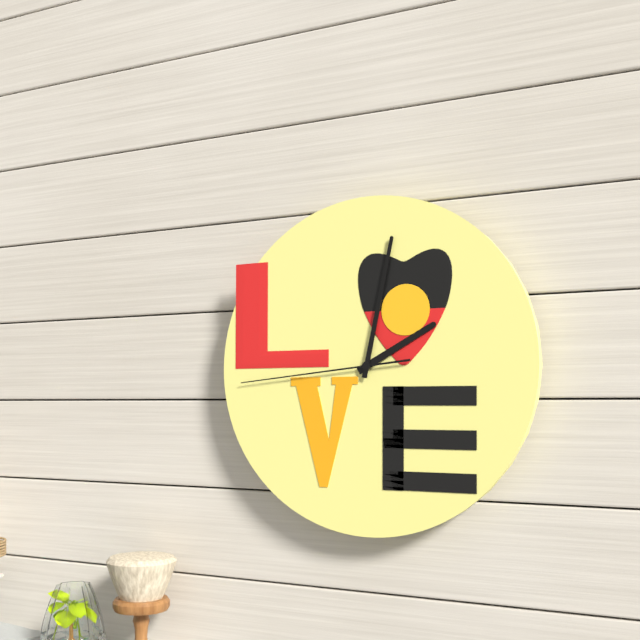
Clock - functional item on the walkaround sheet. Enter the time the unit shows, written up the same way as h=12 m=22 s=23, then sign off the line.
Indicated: h=2 m=2 s=44
